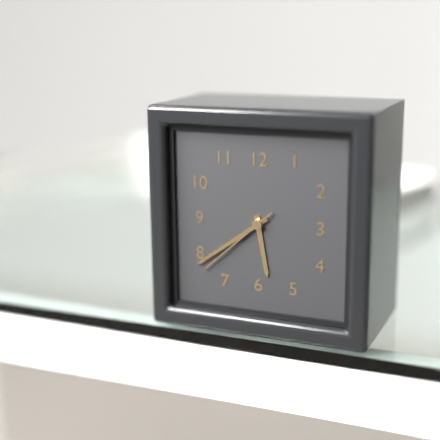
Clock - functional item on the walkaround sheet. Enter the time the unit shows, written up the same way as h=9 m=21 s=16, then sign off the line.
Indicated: h=5 m=39 s=38
